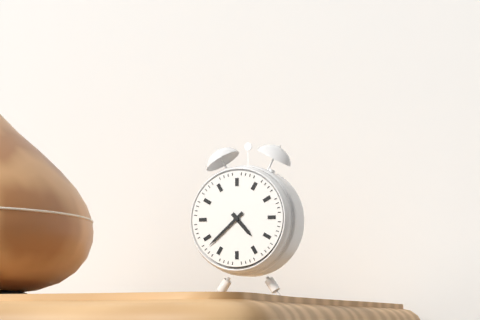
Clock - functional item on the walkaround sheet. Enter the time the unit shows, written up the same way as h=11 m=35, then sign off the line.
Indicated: h=4 m=38
